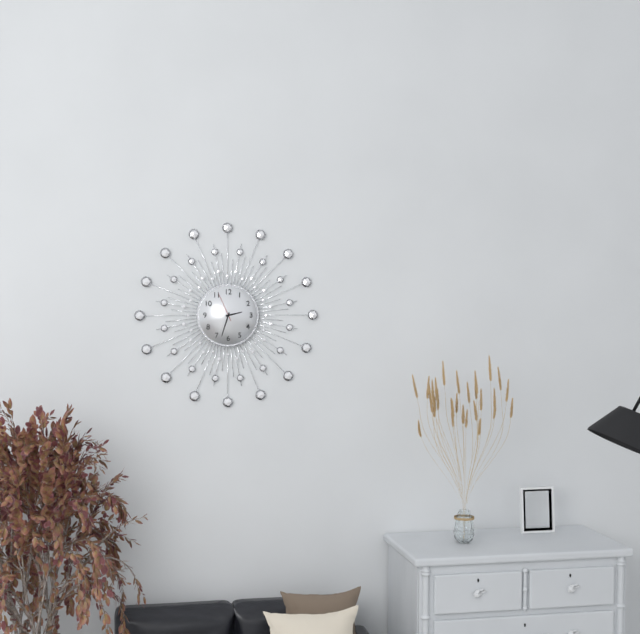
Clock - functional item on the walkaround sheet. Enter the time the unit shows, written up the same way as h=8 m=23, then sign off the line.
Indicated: h=2 m=33
